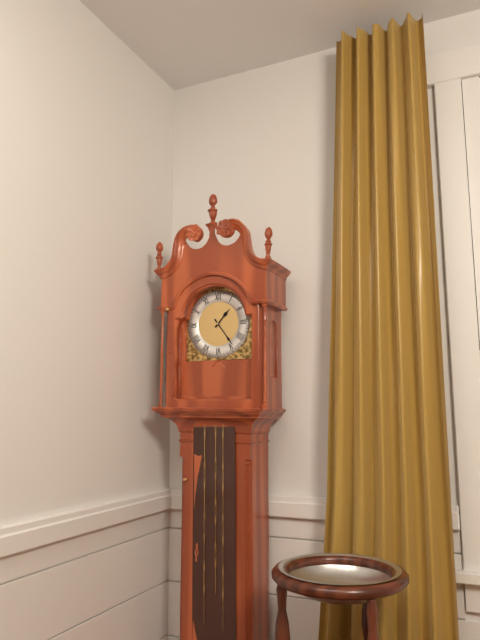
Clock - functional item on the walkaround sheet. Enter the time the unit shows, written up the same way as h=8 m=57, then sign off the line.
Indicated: h=1 m=24
